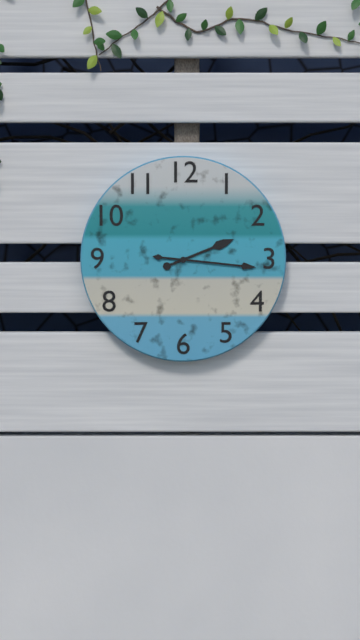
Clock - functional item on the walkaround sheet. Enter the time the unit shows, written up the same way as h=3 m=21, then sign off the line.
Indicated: h=2 m=16
